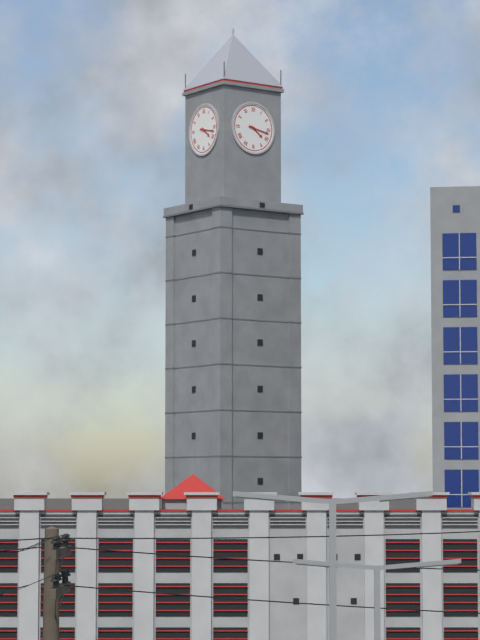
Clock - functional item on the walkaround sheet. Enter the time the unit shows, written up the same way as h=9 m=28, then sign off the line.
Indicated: h=4 m=17
